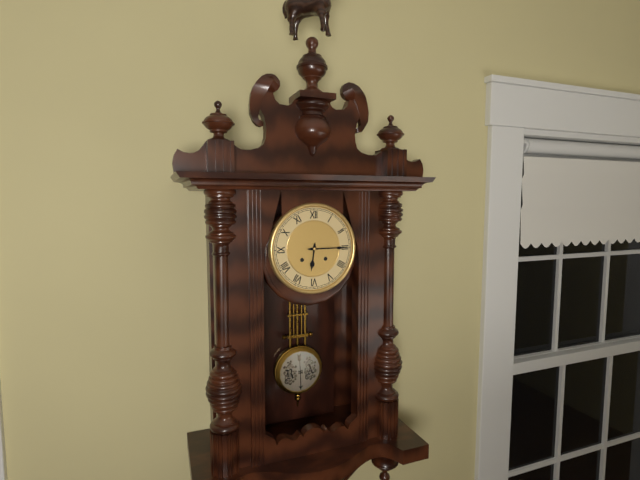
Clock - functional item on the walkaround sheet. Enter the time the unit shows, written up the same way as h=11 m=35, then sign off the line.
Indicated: h=6 m=15
